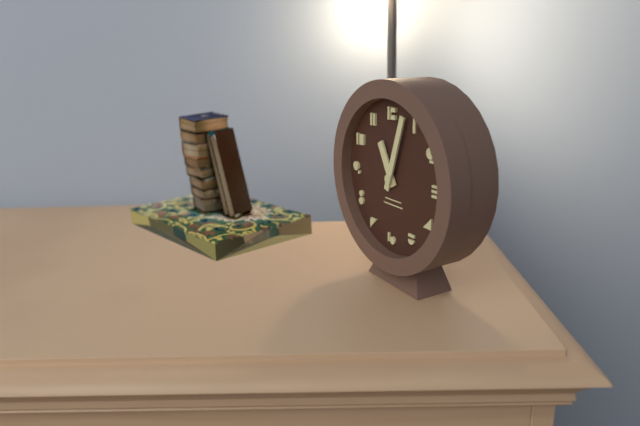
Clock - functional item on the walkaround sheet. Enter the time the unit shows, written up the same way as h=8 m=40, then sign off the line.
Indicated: h=11 m=3
